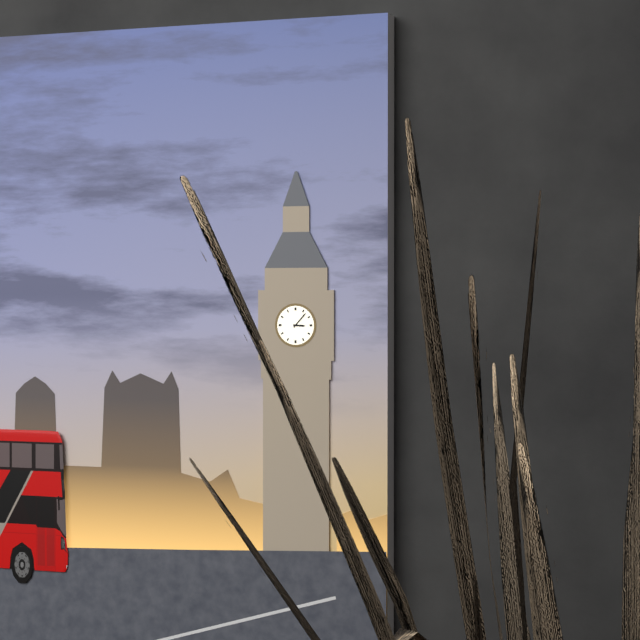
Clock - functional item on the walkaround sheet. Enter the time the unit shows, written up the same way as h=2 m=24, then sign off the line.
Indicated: h=3 m=7
